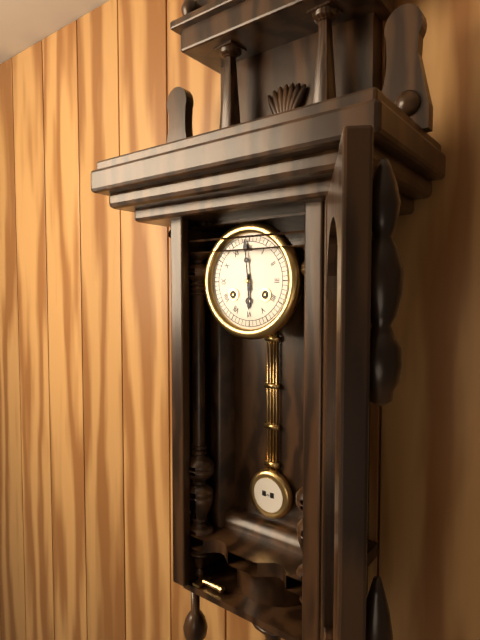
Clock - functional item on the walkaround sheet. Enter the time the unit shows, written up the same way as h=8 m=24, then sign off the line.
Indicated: h=5 m=59
